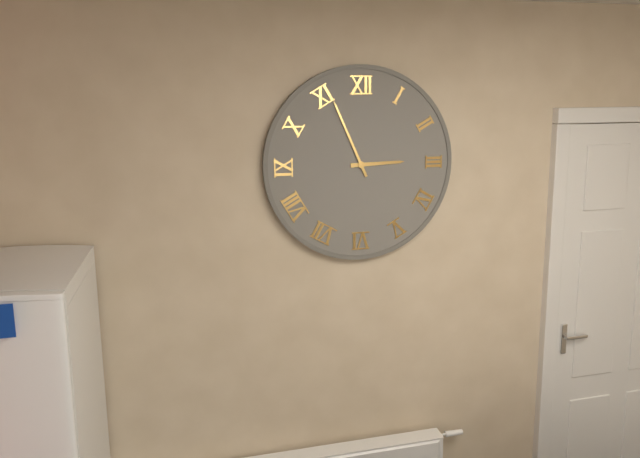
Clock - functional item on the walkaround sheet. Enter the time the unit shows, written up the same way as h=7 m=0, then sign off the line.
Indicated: h=2 m=56
